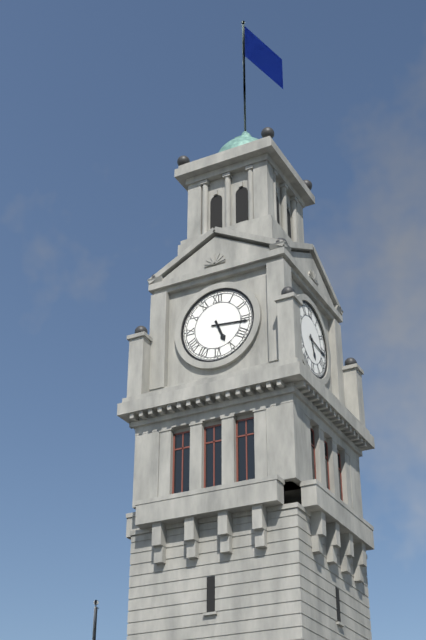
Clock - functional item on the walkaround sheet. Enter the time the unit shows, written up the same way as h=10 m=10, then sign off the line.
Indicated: h=5 m=16
